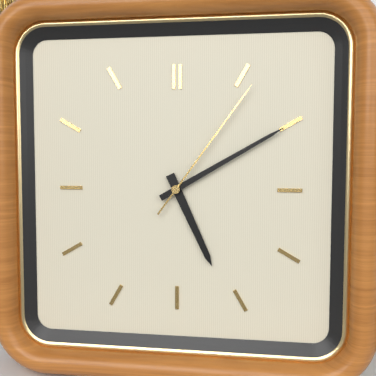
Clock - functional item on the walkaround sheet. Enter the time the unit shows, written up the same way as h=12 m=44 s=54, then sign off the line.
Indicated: h=5 m=10 s=6
